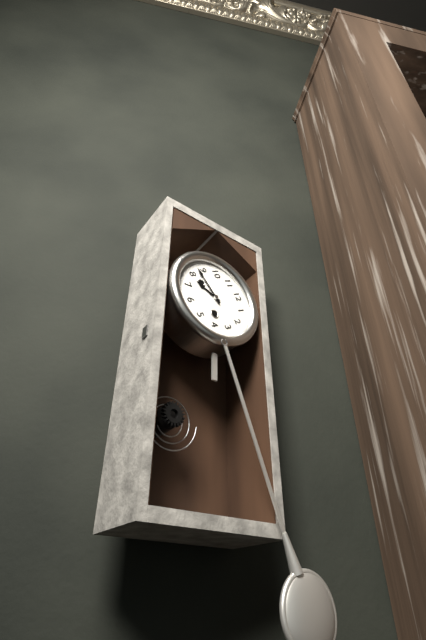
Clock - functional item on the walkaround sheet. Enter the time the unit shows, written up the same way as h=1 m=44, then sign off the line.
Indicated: h=7 m=43
